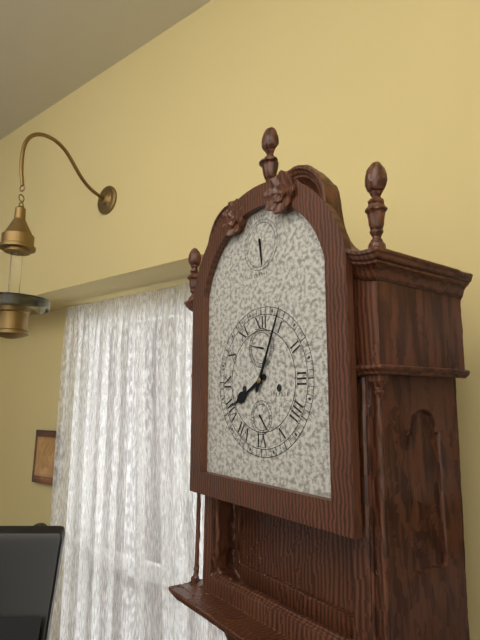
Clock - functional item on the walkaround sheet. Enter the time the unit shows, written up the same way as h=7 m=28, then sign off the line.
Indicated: h=8 m=4
